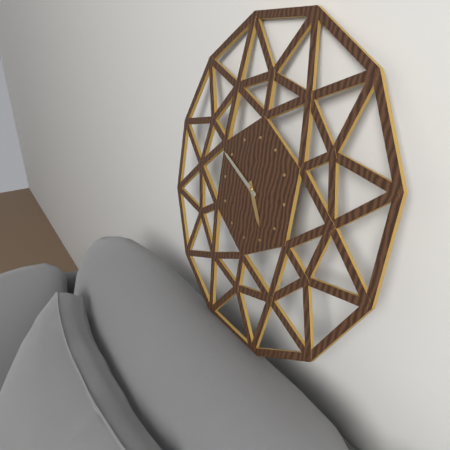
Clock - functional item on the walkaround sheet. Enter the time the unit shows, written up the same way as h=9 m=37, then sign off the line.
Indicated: h=4 m=49
